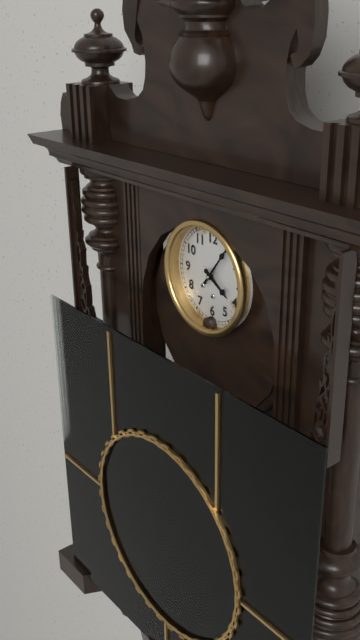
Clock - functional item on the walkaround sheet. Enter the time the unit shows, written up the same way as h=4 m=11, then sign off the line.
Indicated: h=4 m=6
